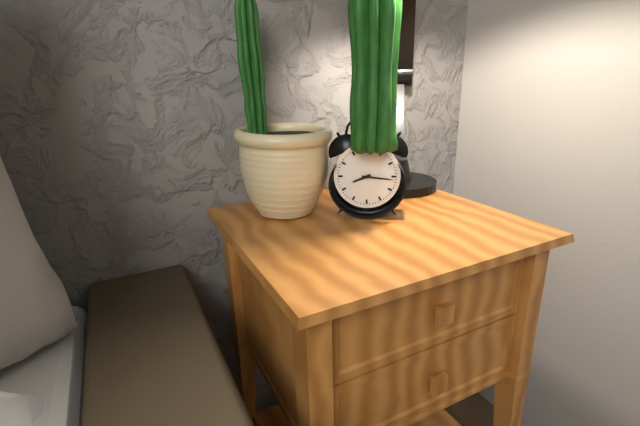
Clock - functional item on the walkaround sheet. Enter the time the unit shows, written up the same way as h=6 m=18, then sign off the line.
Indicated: h=8 m=16
